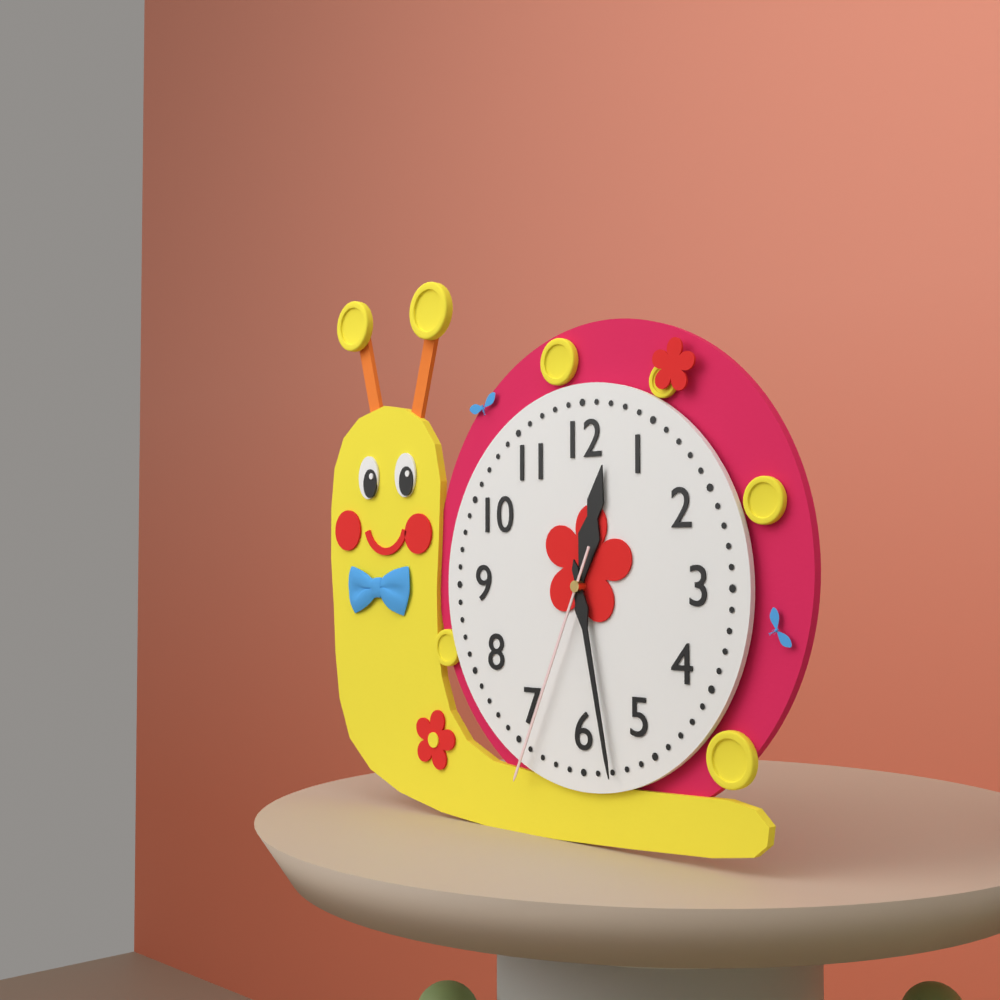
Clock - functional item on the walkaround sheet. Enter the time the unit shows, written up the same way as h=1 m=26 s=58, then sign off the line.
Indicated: h=12 m=28 s=34
